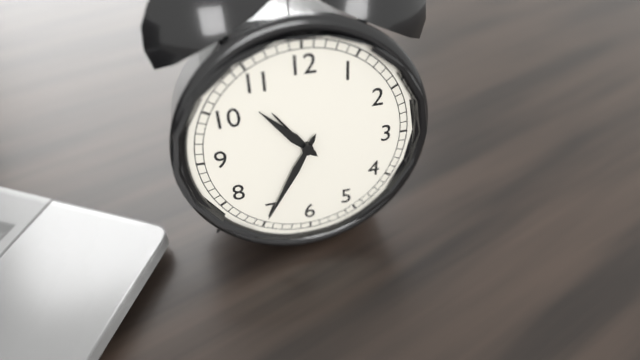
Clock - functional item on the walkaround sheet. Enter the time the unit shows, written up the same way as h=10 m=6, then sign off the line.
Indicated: h=10 m=35
